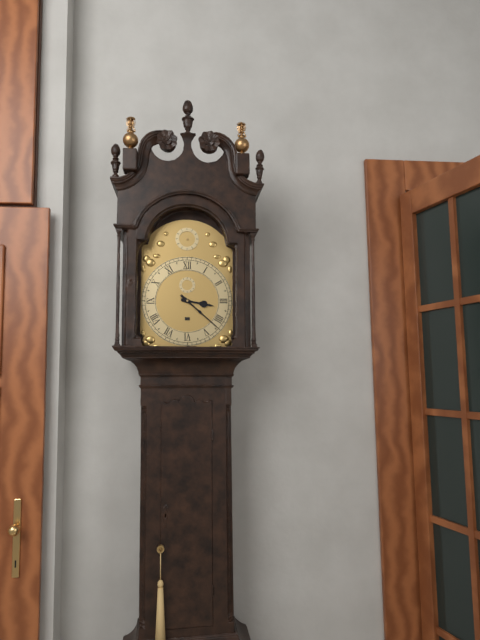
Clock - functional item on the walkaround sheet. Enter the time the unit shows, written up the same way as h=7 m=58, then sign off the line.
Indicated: h=3 m=22
